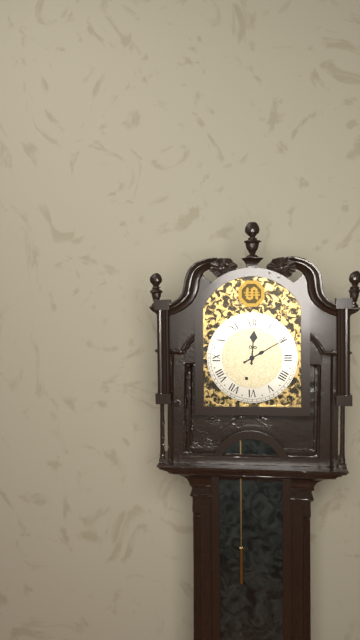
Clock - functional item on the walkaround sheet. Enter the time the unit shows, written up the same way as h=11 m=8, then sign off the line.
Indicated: h=12 m=10
